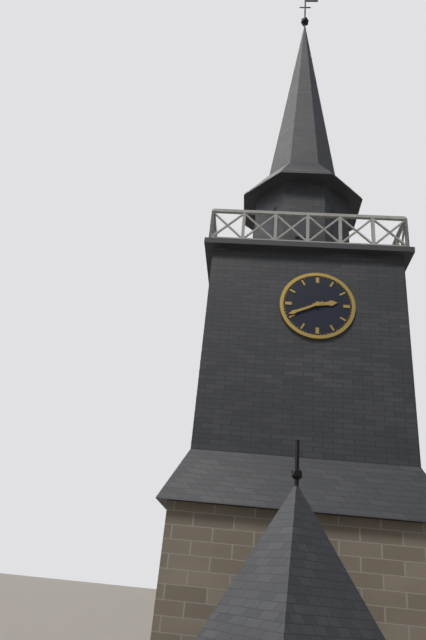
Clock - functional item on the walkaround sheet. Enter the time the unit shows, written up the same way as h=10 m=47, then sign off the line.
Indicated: h=2 m=41
